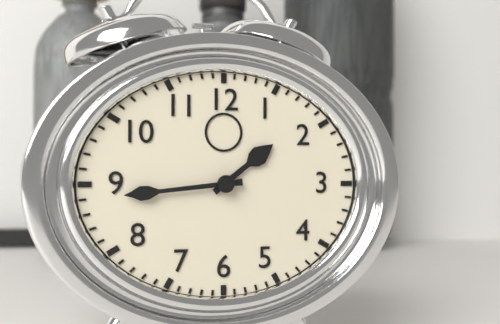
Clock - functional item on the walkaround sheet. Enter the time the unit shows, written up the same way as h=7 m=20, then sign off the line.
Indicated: h=1 m=44
